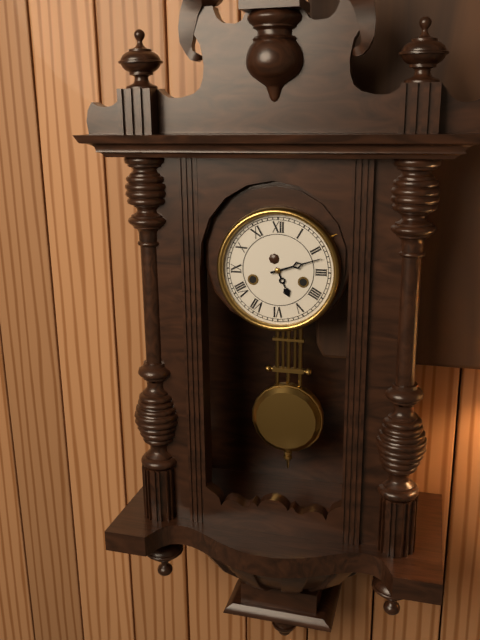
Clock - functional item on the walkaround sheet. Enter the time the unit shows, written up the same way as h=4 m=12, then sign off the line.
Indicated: h=5 m=12
